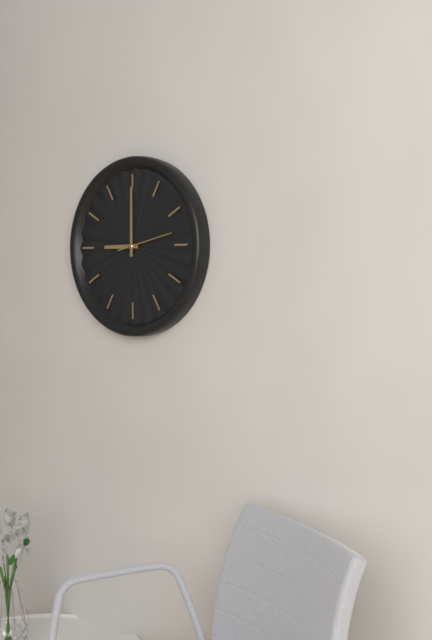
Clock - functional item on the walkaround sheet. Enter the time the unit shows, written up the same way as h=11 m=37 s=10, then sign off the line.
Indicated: h=9 m=0 s=13
